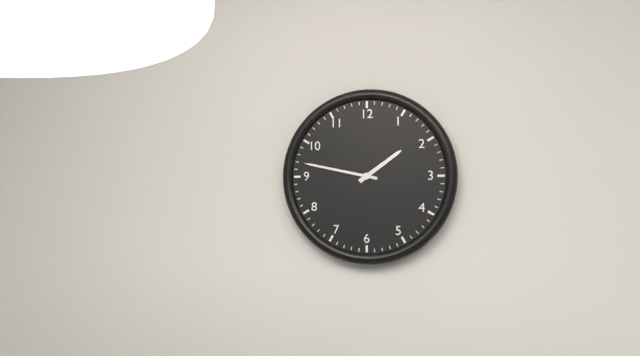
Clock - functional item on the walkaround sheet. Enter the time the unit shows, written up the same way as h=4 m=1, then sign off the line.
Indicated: h=1 m=47
